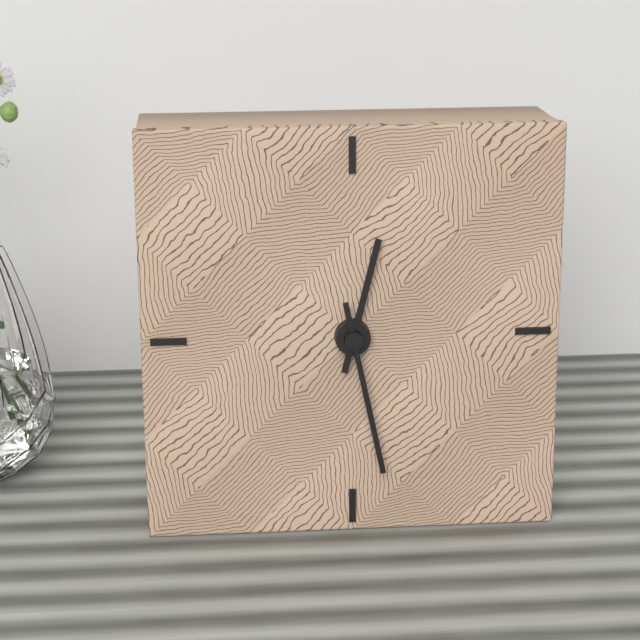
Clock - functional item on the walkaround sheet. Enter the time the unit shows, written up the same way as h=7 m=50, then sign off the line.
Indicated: h=12 m=28
